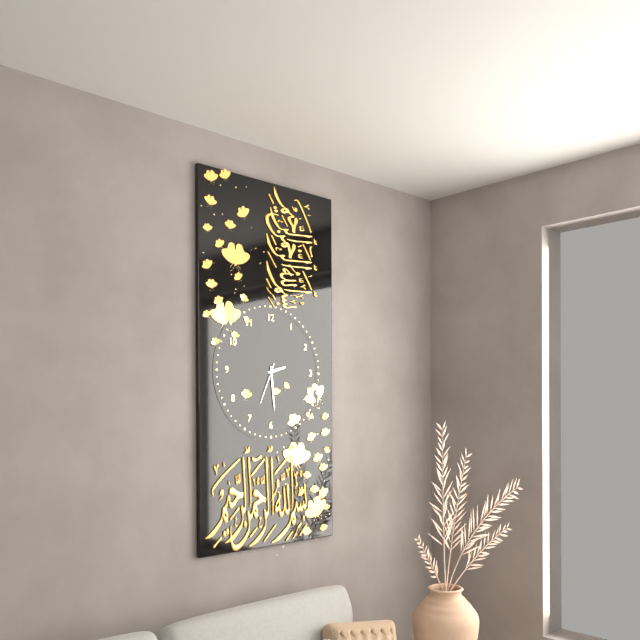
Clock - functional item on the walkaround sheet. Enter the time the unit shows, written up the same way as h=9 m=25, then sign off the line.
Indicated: h=2 m=29
